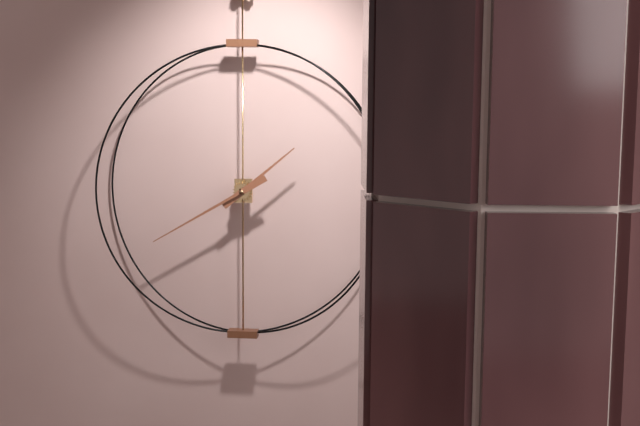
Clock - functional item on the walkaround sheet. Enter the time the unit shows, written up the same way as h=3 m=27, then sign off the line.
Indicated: h=1 m=40
